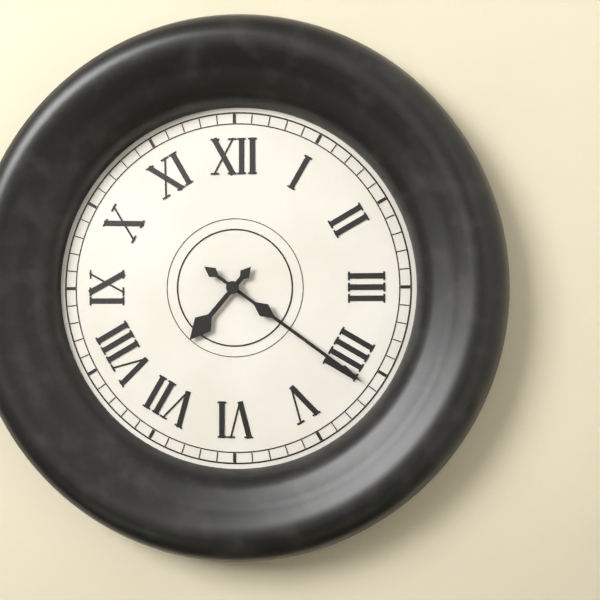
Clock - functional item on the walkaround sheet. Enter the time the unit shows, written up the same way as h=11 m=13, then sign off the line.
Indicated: h=7 m=21
